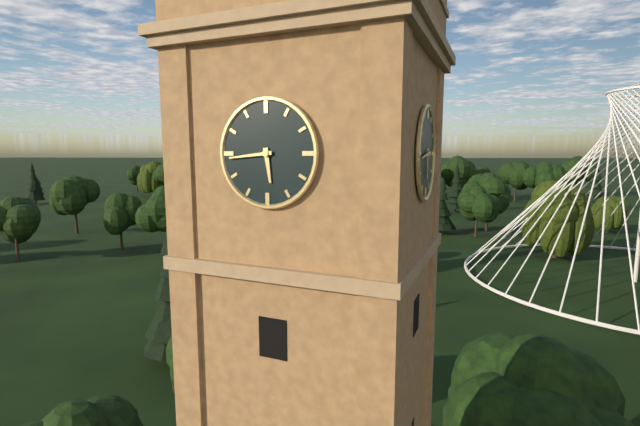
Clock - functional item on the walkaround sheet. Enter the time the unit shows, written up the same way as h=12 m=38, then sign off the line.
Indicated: h=5 m=44
